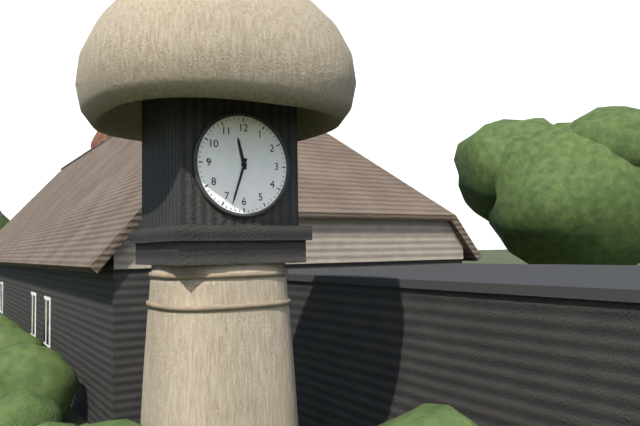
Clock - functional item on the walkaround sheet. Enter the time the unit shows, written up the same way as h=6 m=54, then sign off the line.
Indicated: h=11 m=33
